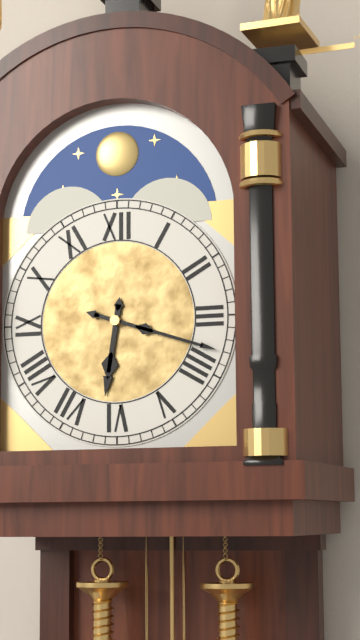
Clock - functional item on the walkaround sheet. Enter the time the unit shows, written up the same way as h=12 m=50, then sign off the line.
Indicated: h=6 m=18
